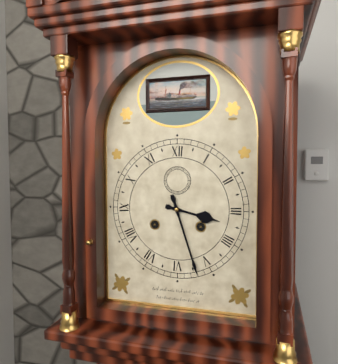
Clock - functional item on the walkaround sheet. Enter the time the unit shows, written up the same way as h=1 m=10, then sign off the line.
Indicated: h=3 m=27
